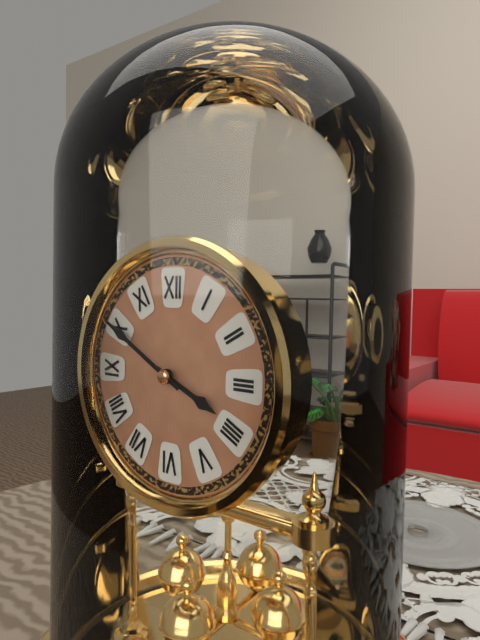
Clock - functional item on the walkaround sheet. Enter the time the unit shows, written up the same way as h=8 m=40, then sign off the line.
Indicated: h=3 m=50
